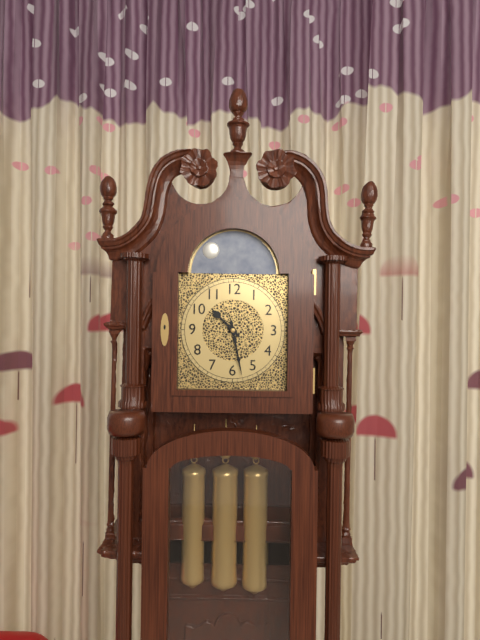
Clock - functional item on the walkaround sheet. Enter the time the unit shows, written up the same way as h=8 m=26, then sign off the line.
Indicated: h=10 m=28
